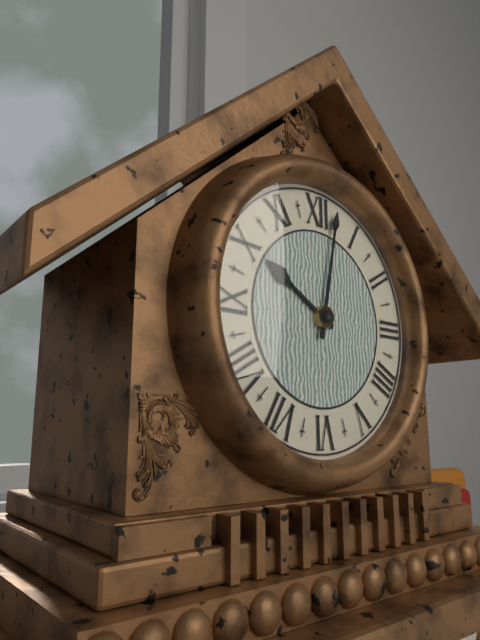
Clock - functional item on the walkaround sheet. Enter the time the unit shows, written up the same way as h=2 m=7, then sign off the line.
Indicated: h=10 m=2
